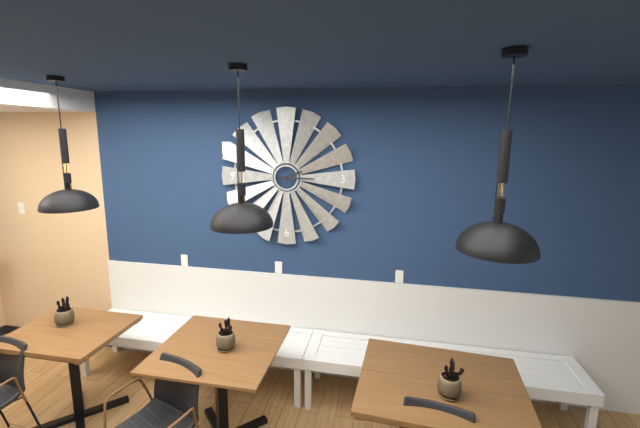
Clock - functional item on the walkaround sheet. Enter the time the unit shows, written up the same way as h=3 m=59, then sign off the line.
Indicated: h=2 m=15
